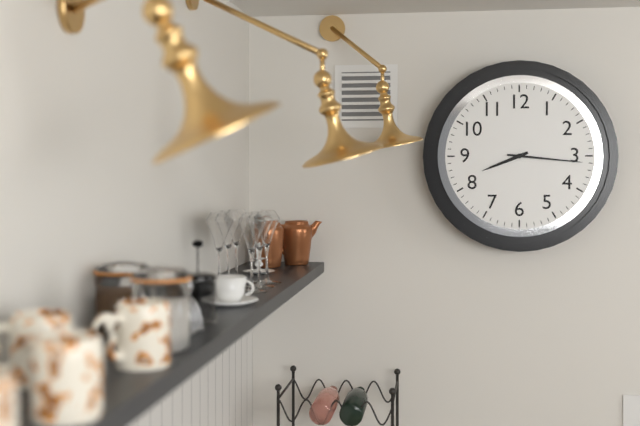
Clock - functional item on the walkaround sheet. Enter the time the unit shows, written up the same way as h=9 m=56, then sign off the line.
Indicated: h=8 m=16
